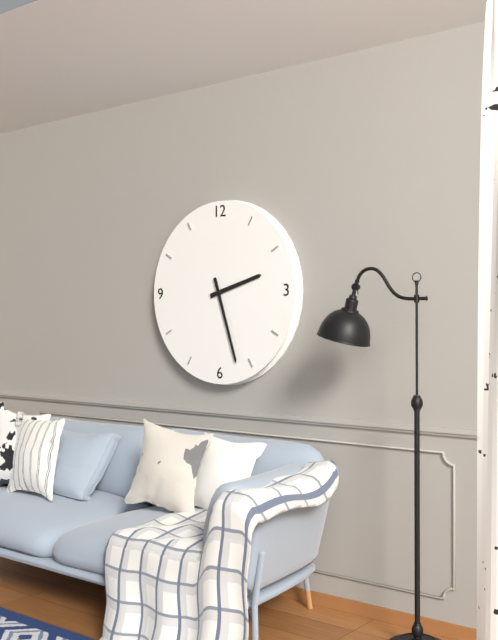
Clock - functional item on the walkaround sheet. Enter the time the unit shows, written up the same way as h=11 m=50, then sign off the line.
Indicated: h=2 m=27
